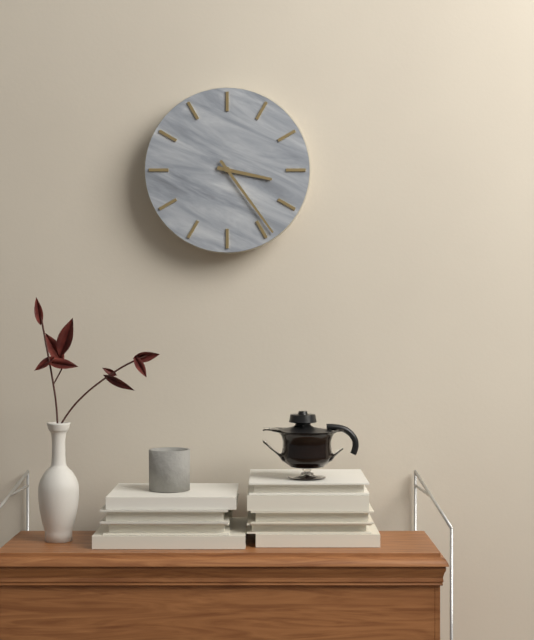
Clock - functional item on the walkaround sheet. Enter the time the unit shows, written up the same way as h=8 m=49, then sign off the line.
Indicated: h=3 m=24
